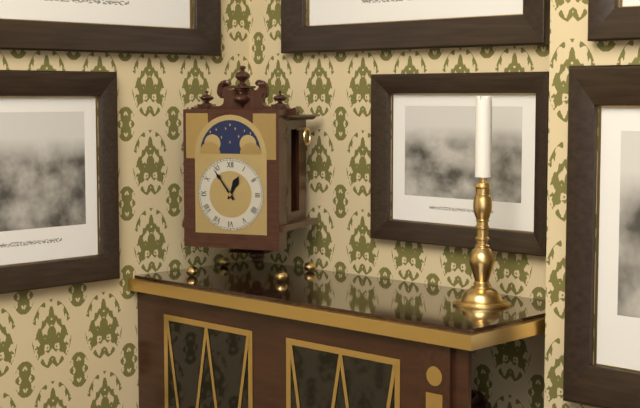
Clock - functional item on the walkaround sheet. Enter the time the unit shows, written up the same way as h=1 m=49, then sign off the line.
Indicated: h=12 m=54
